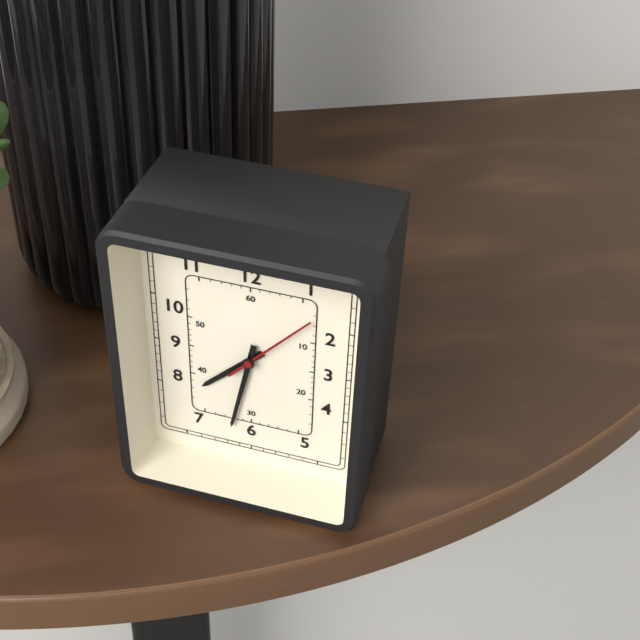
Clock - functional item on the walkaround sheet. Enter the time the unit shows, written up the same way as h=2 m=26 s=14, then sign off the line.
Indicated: h=7 m=32 s=7
